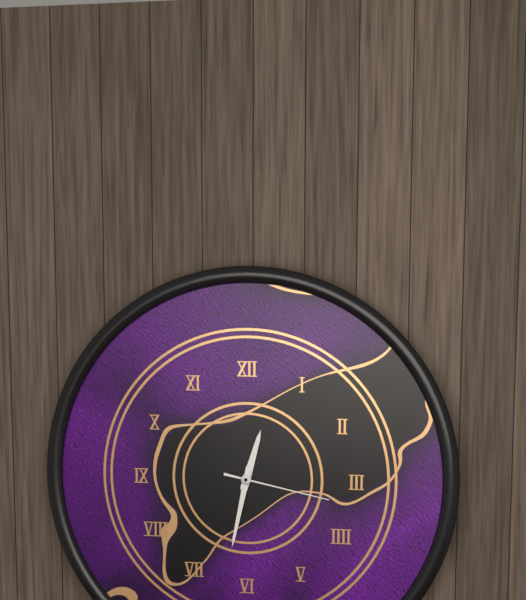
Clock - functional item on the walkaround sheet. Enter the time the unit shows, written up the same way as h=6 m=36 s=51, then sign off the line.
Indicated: h=12 m=32 s=17
